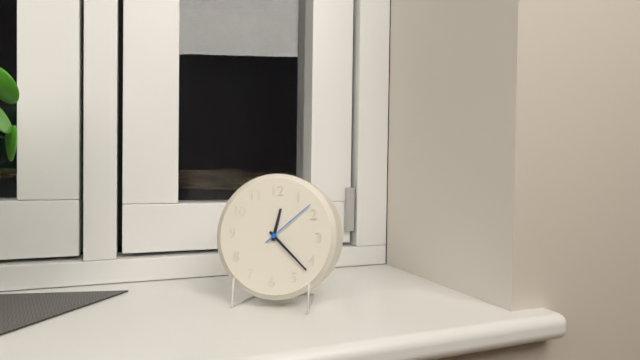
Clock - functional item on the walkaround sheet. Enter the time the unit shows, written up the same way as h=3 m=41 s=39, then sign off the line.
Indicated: h=12 m=22 s=8
